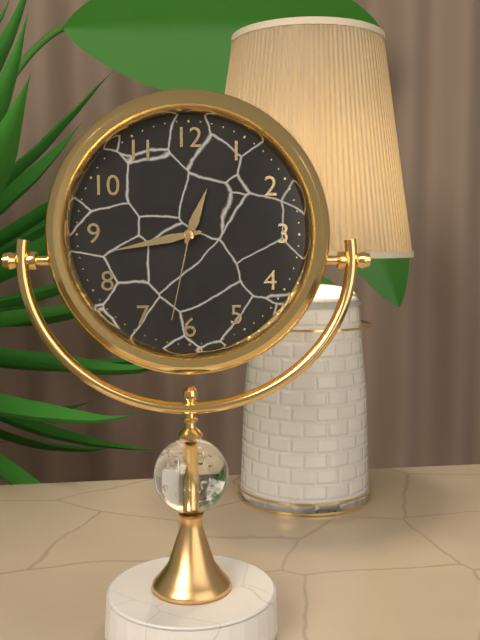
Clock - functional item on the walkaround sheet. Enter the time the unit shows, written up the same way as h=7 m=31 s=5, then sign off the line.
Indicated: h=12 m=43 s=32
